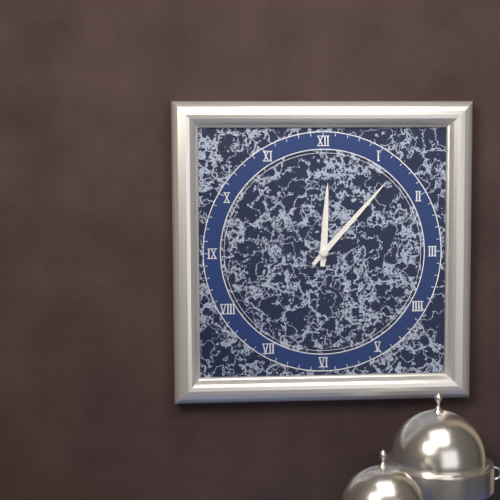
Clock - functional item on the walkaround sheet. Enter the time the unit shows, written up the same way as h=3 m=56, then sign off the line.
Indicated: h=12 m=7
